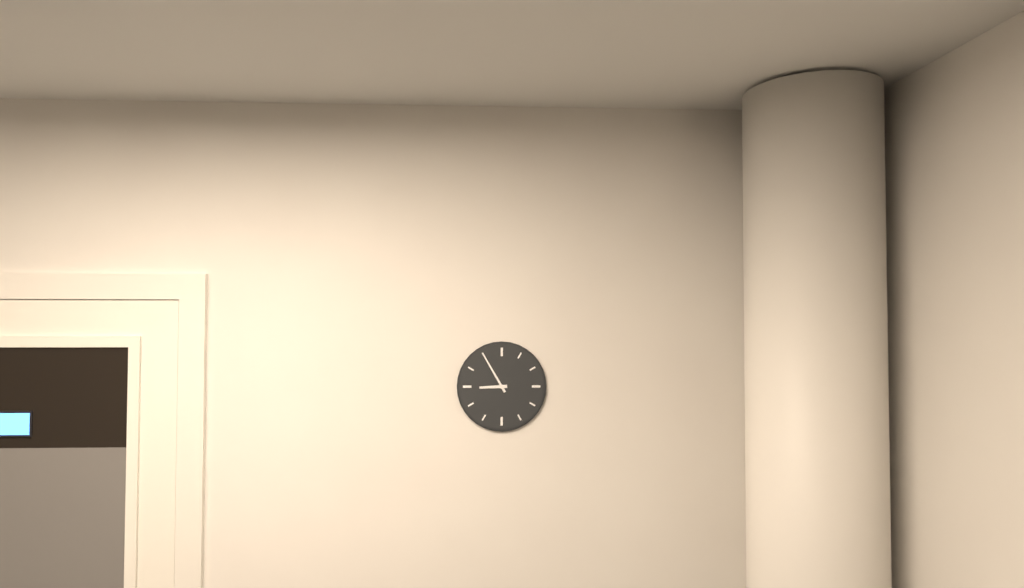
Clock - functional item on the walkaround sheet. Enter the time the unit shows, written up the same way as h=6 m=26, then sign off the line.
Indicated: h=8 m=55
